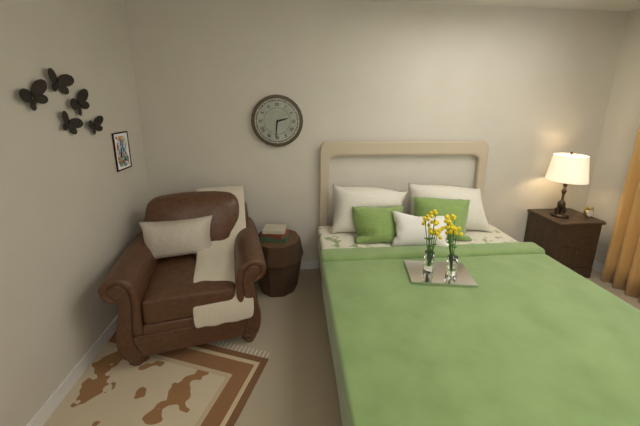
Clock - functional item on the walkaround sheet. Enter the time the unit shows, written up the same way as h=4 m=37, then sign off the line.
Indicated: h=2 m=31
